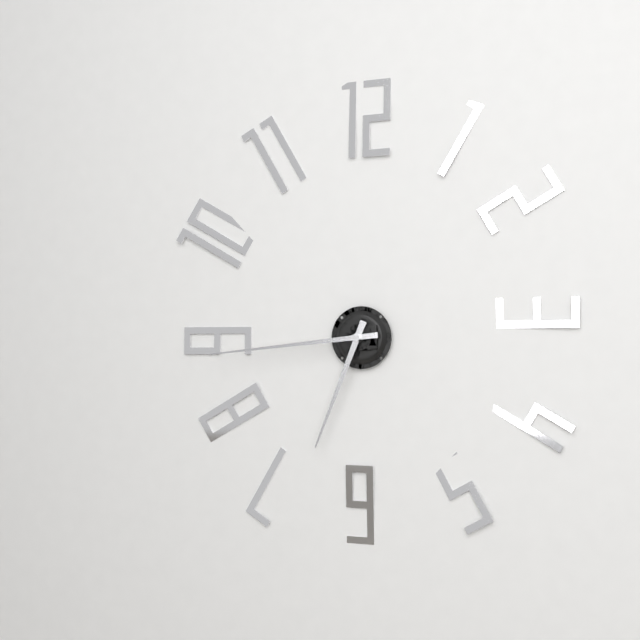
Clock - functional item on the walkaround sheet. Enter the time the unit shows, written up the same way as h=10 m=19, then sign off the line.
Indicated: h=6 m=44
